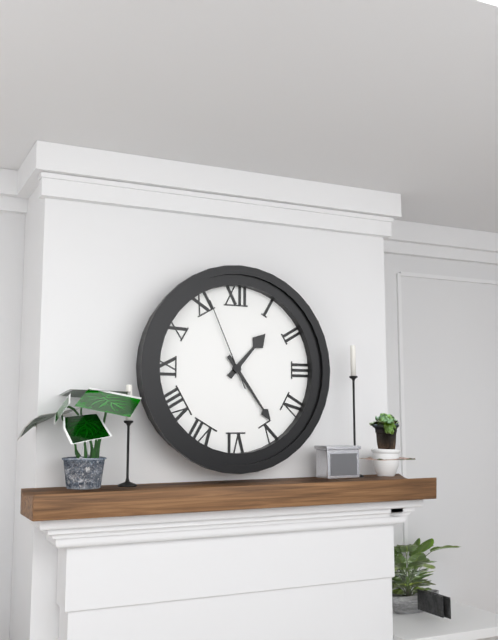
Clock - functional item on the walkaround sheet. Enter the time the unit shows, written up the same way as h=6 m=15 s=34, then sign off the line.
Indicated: h=1 m=24 s=56
